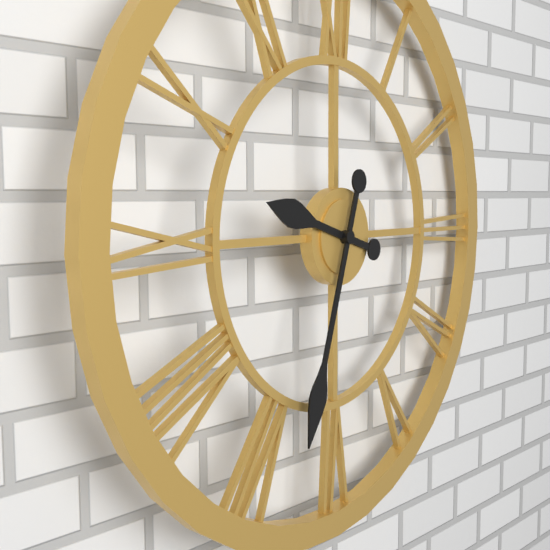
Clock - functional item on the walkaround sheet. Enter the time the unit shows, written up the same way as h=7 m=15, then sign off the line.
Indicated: h=9 m=33
